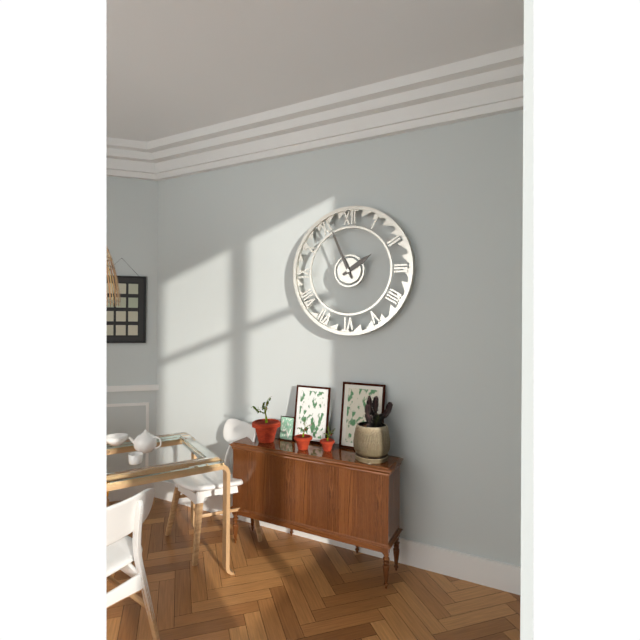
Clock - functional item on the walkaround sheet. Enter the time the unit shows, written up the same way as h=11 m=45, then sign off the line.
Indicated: h=1 m=56
